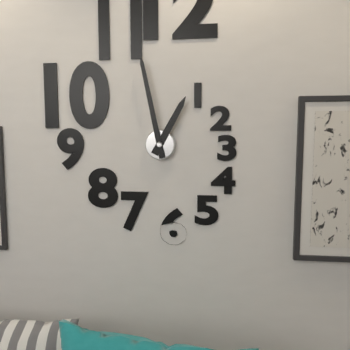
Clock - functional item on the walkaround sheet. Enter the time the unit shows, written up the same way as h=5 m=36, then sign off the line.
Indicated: h=12 m=58
